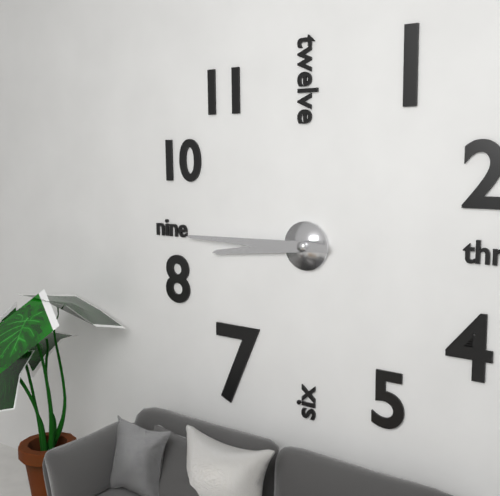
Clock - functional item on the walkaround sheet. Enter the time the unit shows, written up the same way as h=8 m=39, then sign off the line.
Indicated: h=8 m=45
